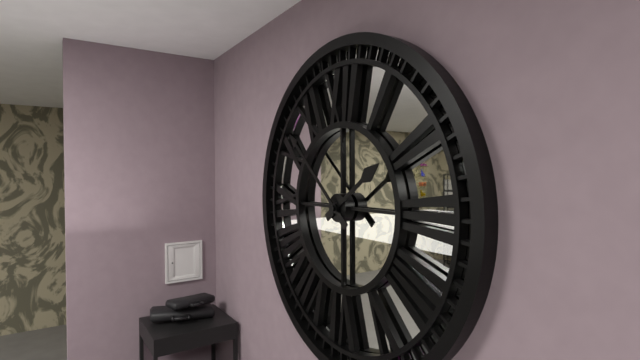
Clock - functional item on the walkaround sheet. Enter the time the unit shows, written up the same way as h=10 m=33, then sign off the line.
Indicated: h=1 m=52
